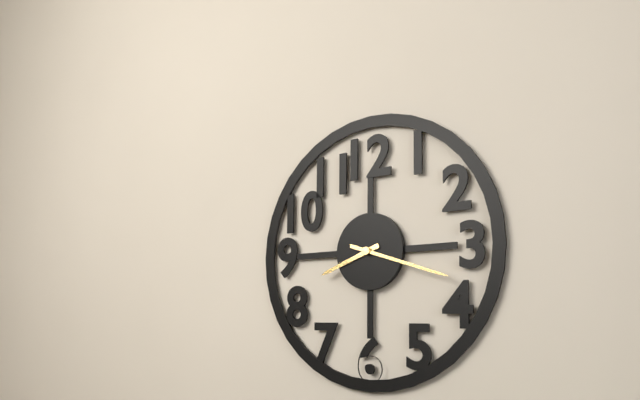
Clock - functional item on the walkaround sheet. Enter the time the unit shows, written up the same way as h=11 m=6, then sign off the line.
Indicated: h=8 m=18
